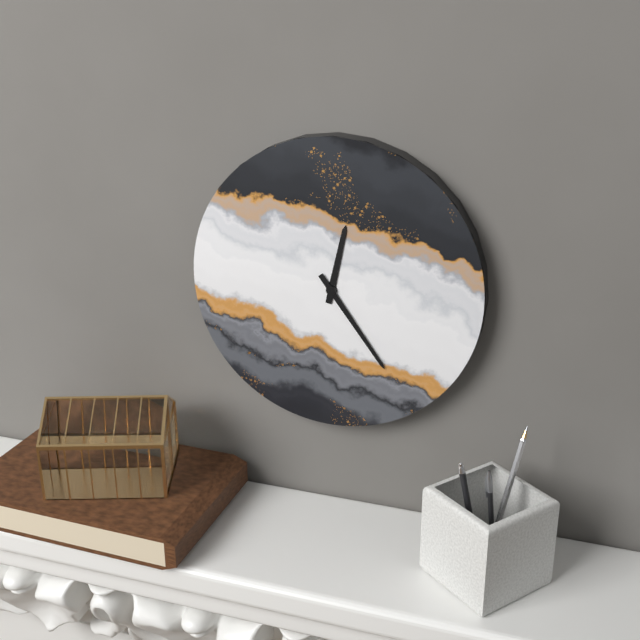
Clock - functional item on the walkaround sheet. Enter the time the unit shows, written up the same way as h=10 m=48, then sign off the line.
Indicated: h=12 m=24
